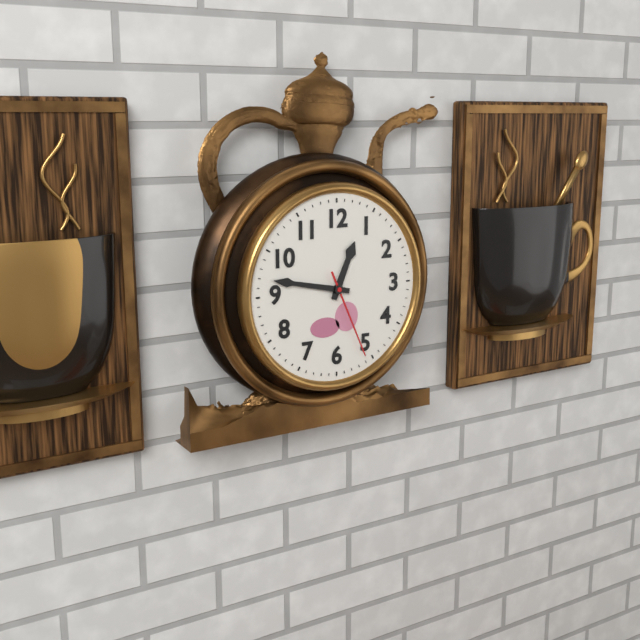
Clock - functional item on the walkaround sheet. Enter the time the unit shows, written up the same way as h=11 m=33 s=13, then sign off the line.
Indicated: h=12 m=47 s=26
